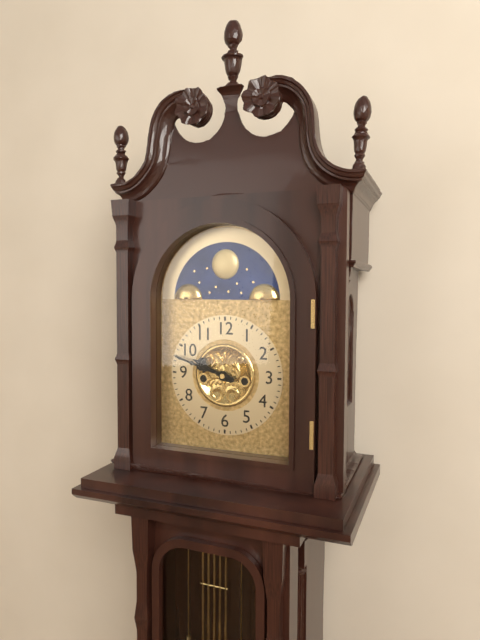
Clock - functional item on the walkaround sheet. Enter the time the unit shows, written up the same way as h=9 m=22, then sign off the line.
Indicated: h=9 m=48
